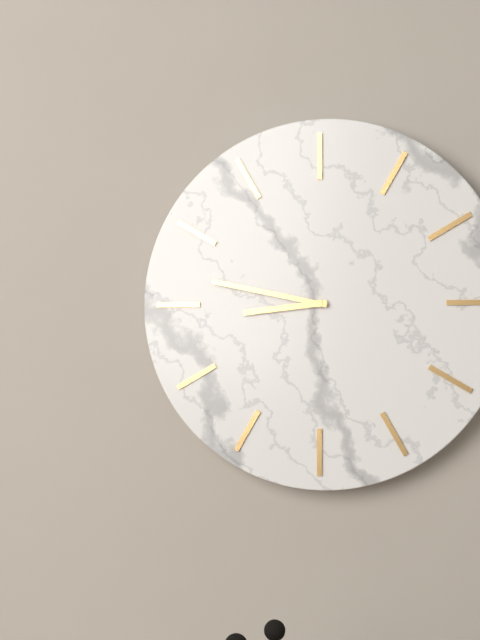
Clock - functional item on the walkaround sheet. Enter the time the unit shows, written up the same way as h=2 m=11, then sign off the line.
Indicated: h=8 m=47
